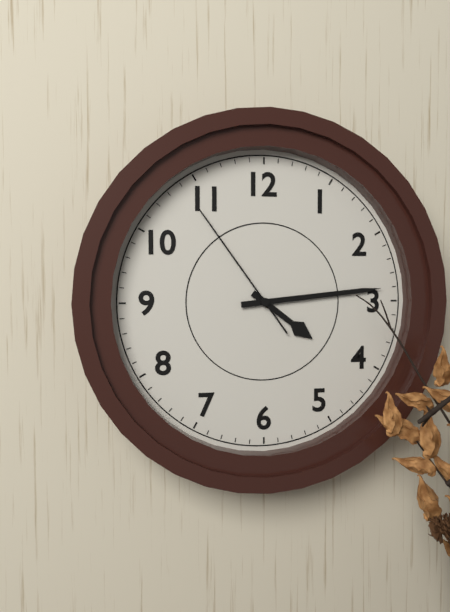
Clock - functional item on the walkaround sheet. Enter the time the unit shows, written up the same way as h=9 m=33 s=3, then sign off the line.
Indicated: h=4 m=14 s=54
